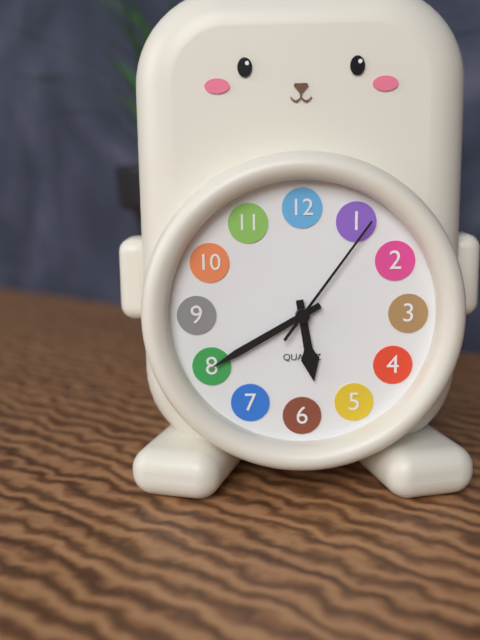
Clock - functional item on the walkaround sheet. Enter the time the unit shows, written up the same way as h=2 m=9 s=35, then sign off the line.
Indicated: h=5 m=40 s=6
